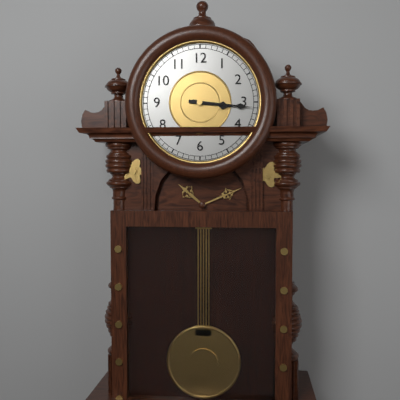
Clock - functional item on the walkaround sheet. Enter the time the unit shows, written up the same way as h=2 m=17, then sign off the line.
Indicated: h=3 m=16
